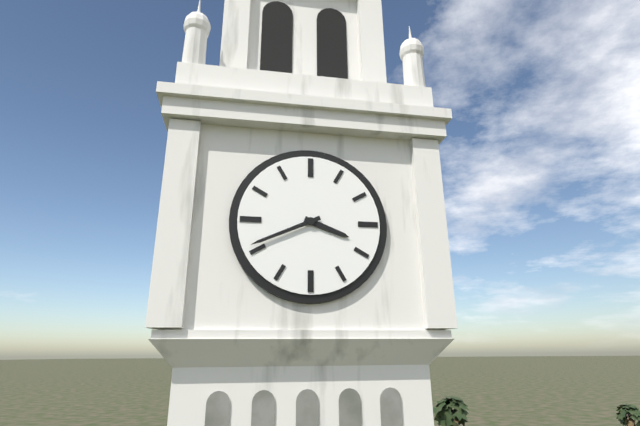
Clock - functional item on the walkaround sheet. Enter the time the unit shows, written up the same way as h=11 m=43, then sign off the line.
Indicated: h=3 m=41
